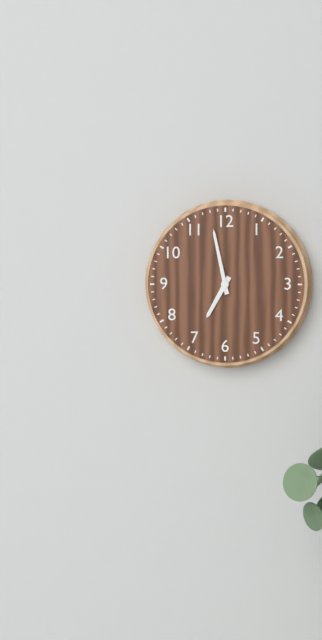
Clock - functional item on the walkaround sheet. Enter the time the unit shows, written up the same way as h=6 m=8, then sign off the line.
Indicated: h=6 m=58
